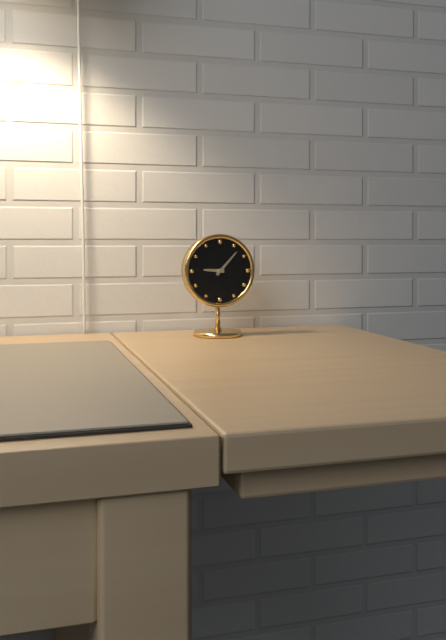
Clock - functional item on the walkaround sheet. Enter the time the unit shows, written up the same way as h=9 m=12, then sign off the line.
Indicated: h=9 m=7
